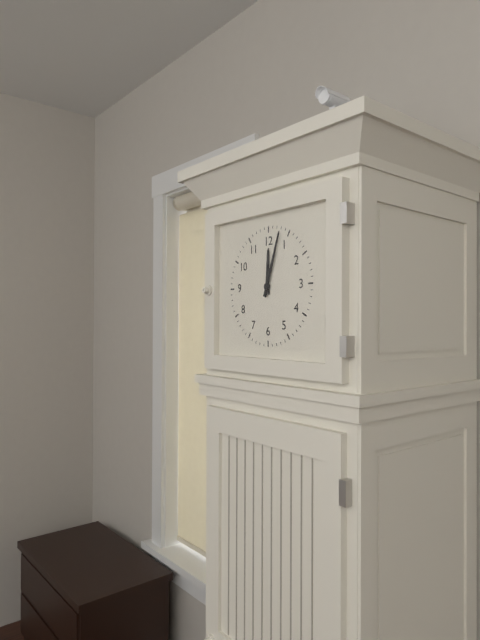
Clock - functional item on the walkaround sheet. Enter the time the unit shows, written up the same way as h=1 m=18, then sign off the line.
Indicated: h=12 m=3
